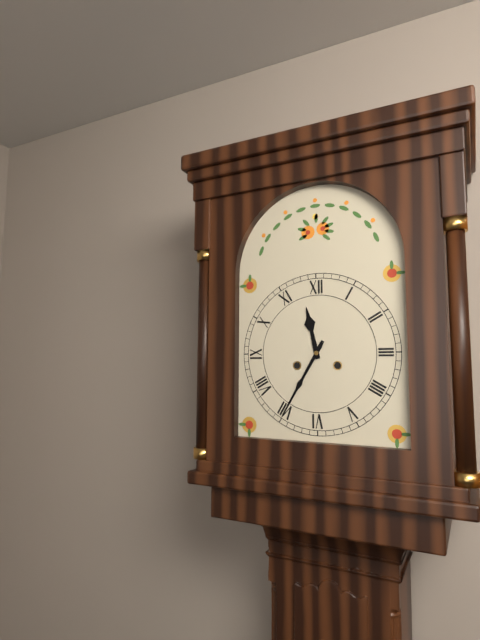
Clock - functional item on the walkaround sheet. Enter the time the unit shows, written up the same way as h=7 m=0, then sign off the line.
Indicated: h=11 m=35
